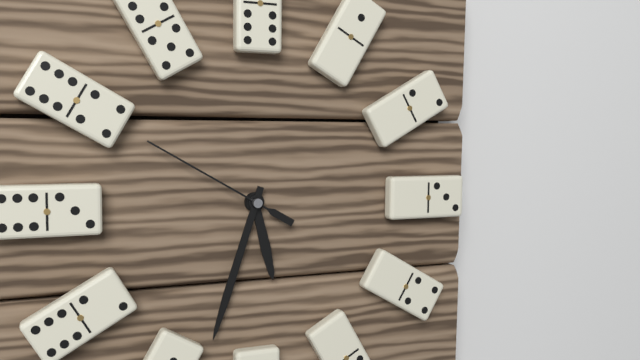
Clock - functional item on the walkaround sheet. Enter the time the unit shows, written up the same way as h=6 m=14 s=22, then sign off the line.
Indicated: h=5 m=33 s=50
